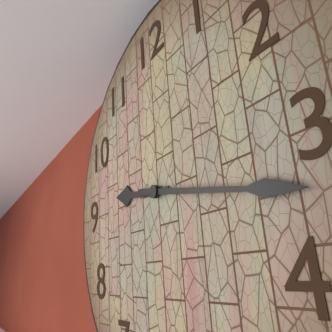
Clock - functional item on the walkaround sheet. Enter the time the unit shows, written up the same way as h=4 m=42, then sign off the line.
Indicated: h=9 m=17
